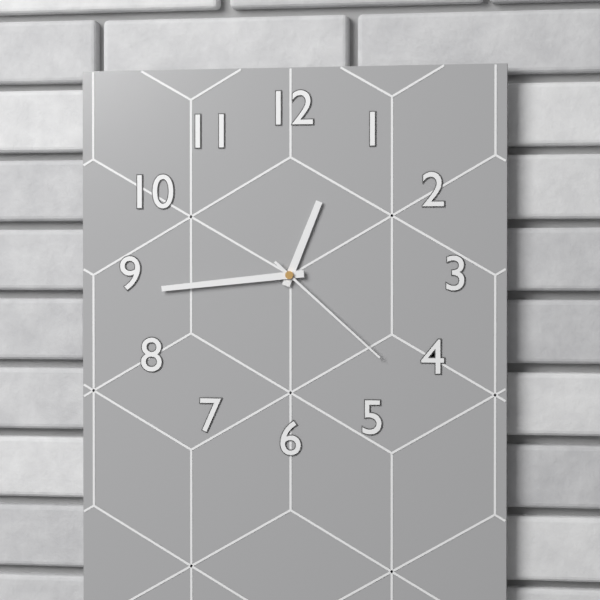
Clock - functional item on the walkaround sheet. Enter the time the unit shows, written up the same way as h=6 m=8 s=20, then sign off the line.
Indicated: h=12 m=44 s=22
